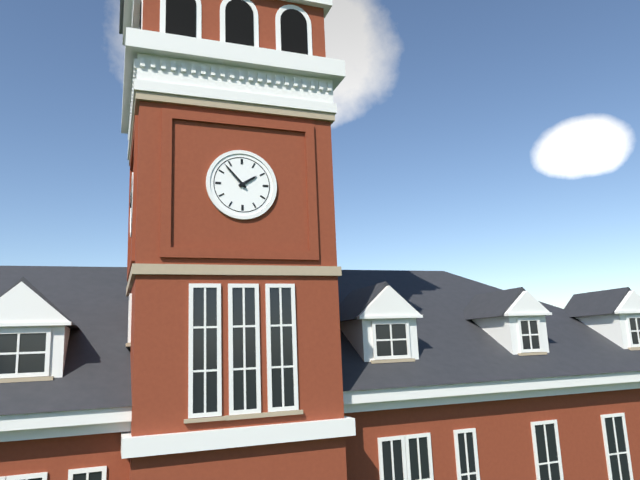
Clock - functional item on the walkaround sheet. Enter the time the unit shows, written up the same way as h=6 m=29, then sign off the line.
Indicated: h=1 m=53
